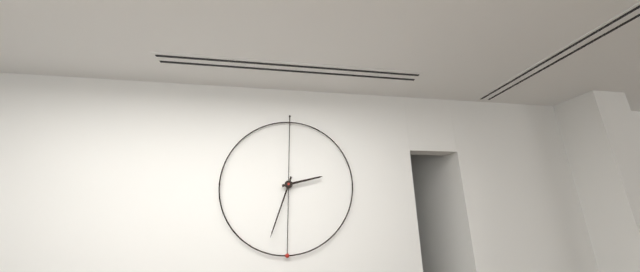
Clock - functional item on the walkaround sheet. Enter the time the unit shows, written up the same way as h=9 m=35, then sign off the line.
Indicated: h=2 m=33
